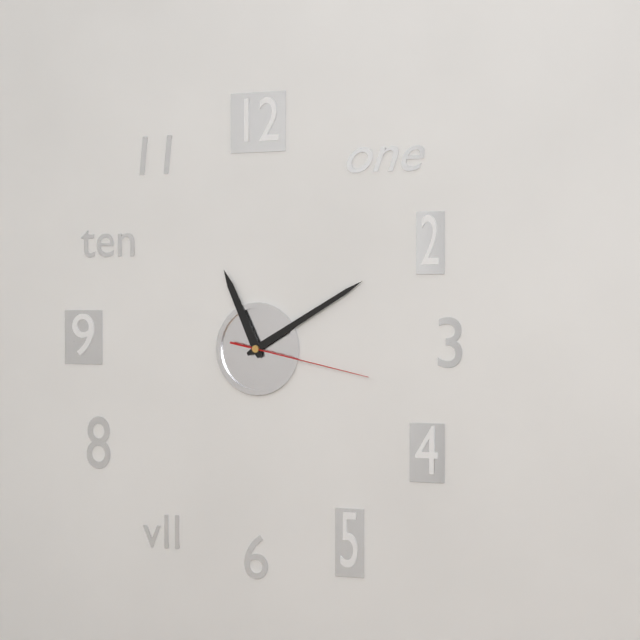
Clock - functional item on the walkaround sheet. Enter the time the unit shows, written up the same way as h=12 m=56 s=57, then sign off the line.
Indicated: h=11 m=10 s=17
